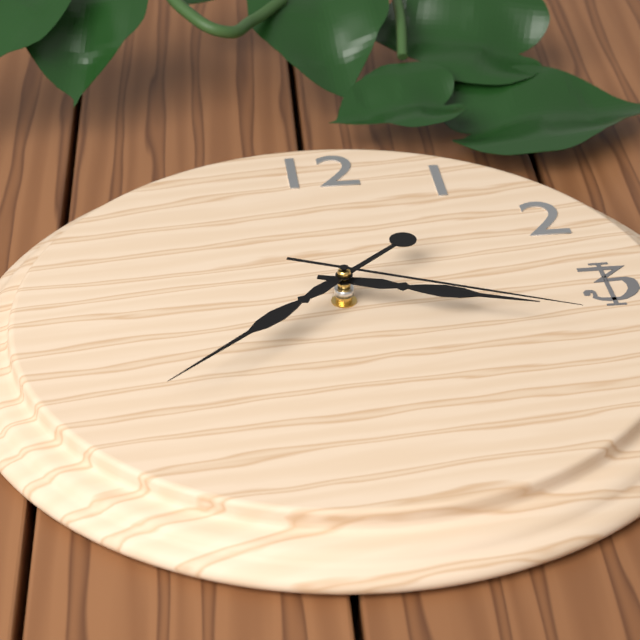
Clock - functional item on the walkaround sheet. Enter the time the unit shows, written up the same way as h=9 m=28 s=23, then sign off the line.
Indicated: h=3 m=38 s=19
